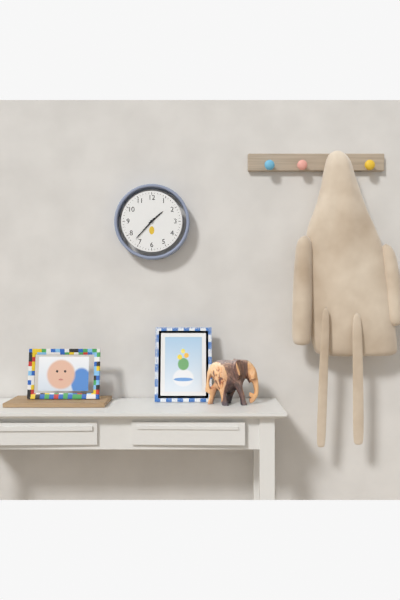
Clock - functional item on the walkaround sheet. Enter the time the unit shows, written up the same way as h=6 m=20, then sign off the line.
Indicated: h=1 m=37
